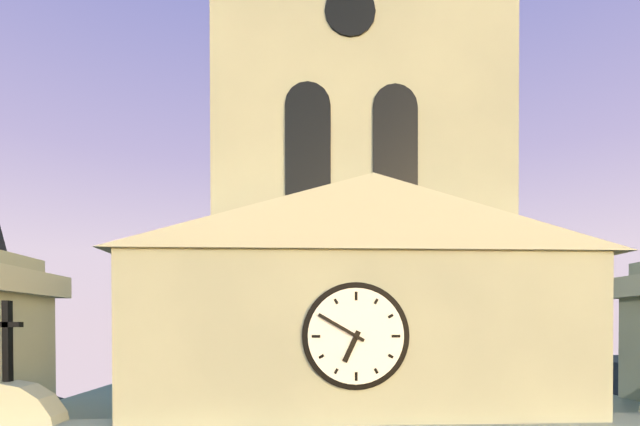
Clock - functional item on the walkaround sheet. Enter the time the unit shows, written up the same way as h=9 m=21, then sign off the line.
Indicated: h=6 m=50
